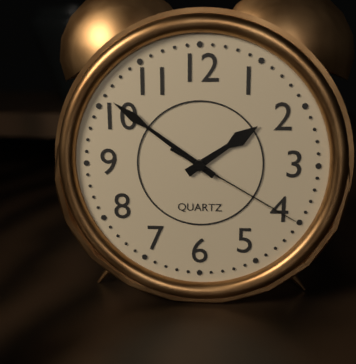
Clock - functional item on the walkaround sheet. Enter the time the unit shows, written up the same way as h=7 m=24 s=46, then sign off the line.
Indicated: h=1 m=51 s=20
